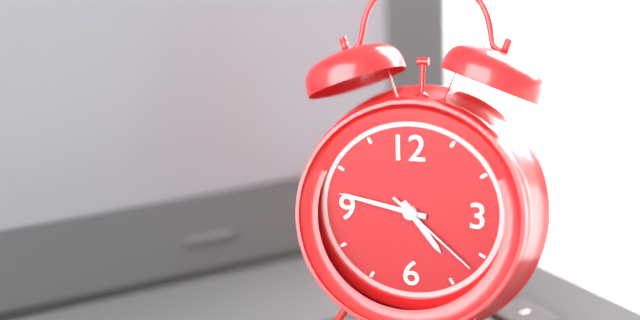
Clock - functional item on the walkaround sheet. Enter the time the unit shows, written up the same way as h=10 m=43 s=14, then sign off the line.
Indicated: h=4 m=47 s=22
